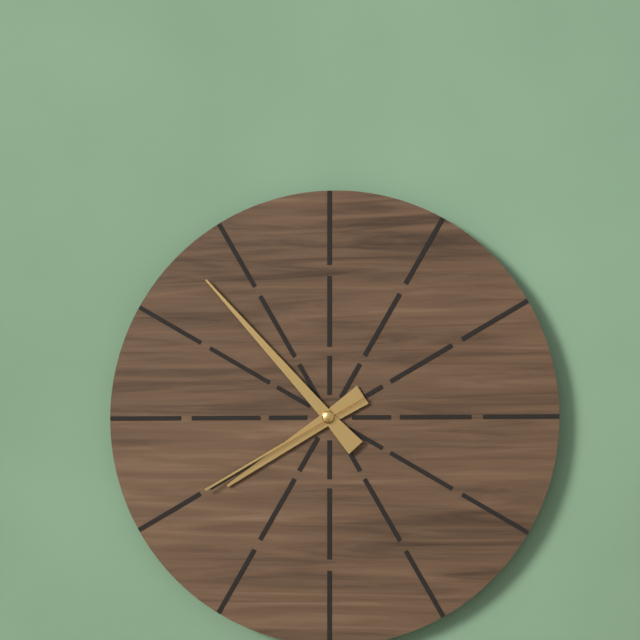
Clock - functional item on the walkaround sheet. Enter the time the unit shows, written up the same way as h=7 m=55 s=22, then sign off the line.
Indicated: h=7 m=53 s=40
